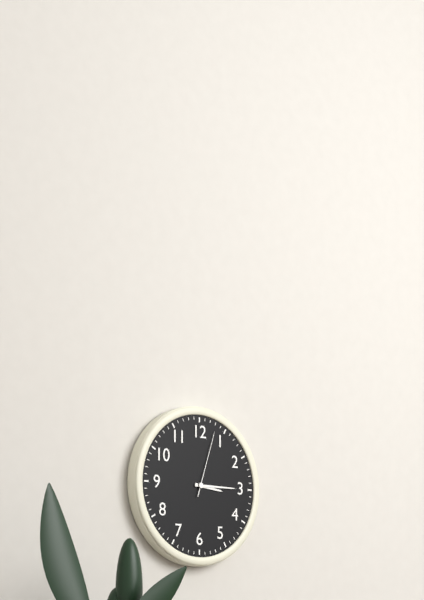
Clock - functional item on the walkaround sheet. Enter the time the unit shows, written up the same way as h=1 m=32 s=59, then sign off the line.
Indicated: h=3 m=15 s=3
